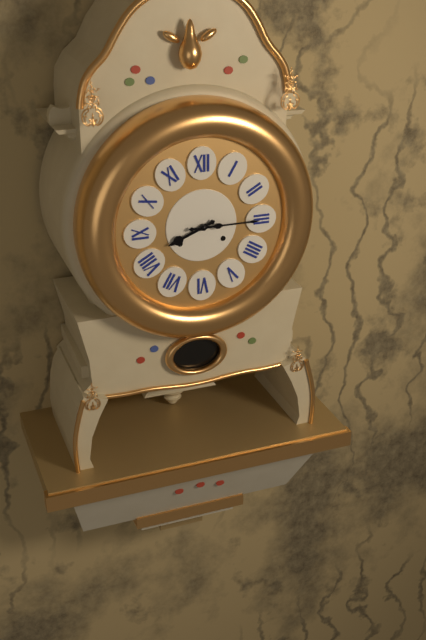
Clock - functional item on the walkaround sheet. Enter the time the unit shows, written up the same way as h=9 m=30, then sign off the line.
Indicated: h=8 m=15
